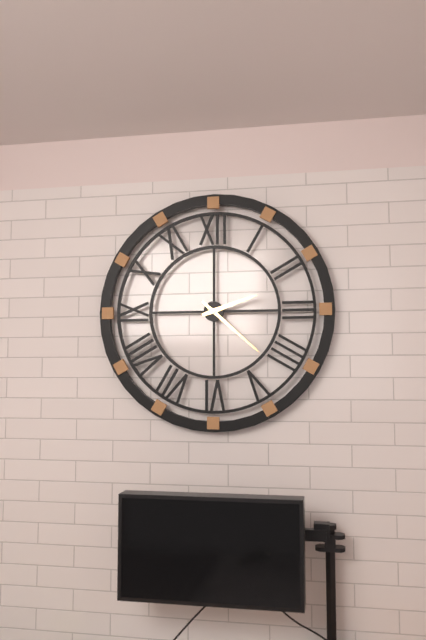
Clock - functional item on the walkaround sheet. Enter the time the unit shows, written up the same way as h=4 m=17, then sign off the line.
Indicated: h=2 m=22
